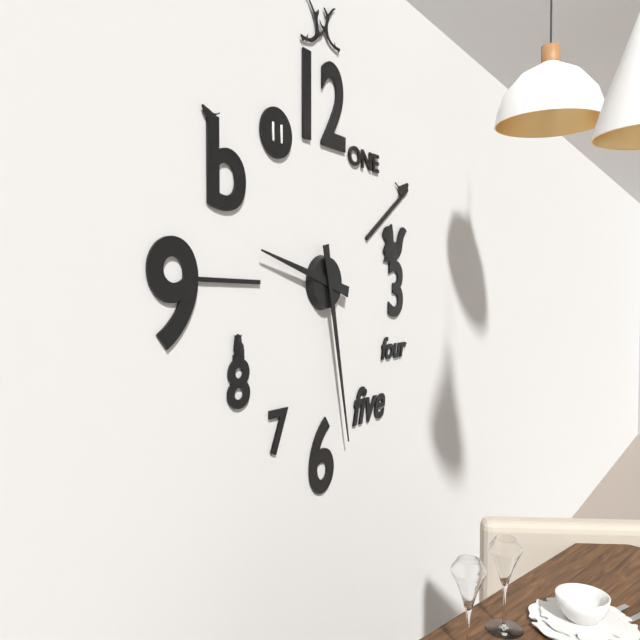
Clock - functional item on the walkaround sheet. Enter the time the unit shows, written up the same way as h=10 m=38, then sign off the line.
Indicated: h=9 m=28
